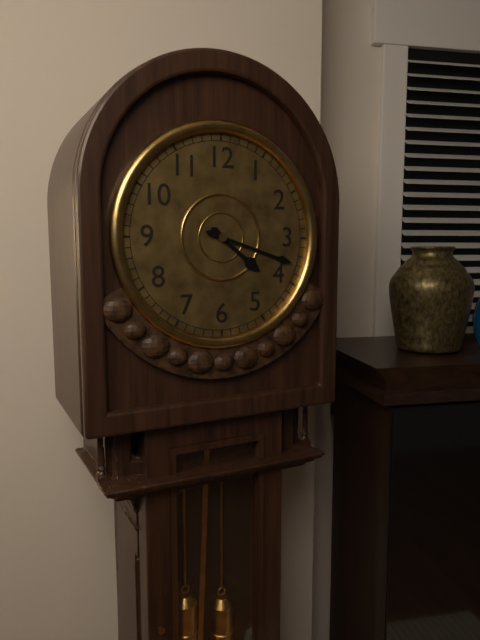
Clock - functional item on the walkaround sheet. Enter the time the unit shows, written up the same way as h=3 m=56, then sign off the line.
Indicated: h=4 m=18
